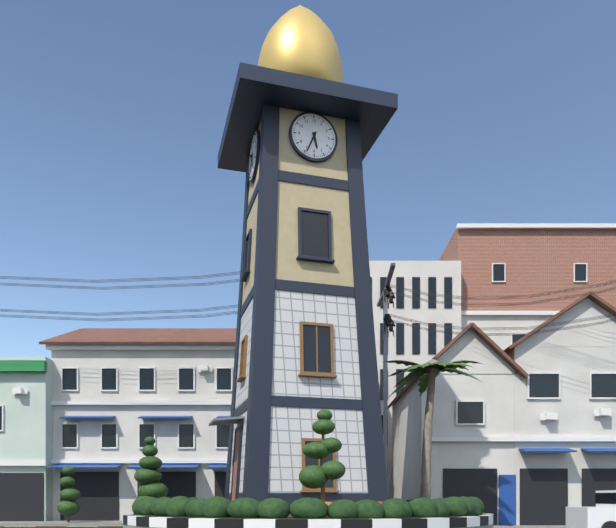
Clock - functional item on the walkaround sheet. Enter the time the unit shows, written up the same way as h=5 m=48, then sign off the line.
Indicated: h=5 m=34
